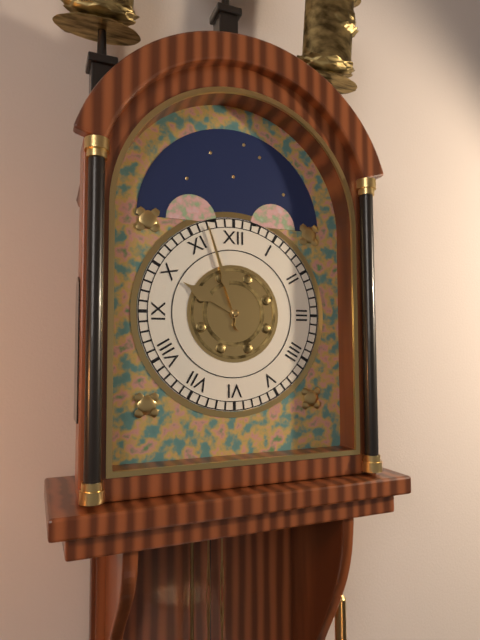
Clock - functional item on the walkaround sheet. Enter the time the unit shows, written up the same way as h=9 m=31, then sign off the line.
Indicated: h=9 m=57
